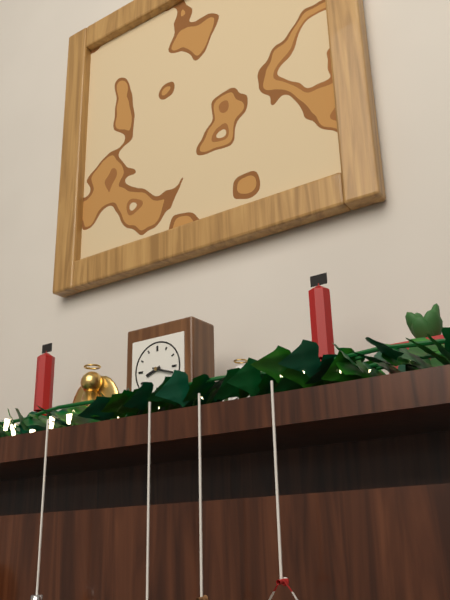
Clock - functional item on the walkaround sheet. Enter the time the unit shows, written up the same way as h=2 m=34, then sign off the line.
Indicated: h=8 m=18
